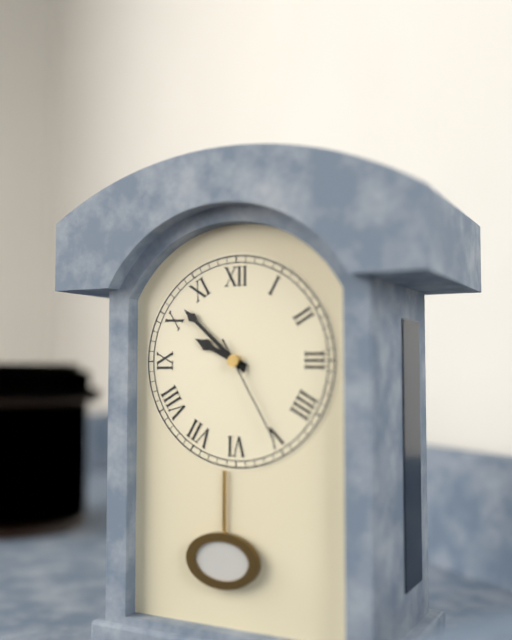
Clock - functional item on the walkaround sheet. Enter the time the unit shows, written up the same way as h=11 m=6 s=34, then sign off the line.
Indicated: h=9 m=52 s=25
